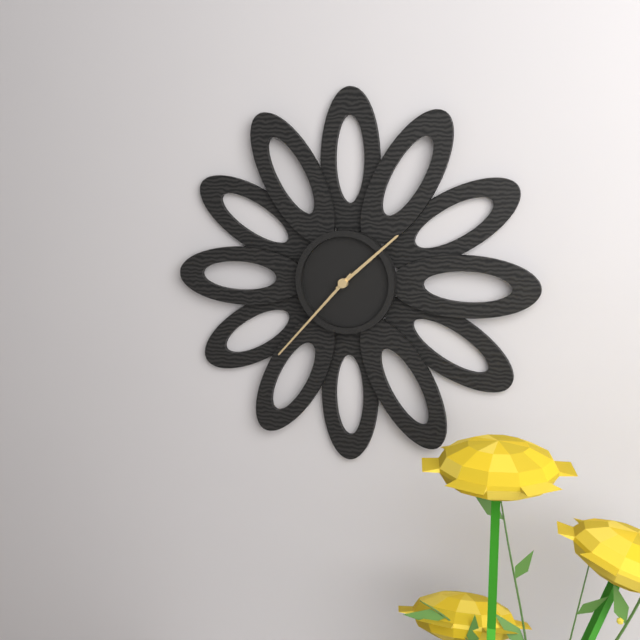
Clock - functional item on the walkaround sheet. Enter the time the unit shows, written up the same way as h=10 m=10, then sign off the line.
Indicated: h=1 m=37
